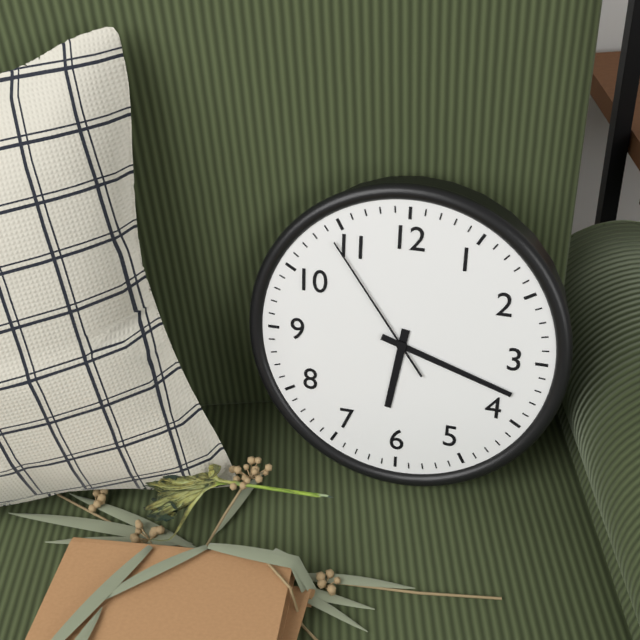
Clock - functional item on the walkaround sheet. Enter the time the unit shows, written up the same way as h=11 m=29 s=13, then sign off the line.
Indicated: h=6 m=18 s=54
